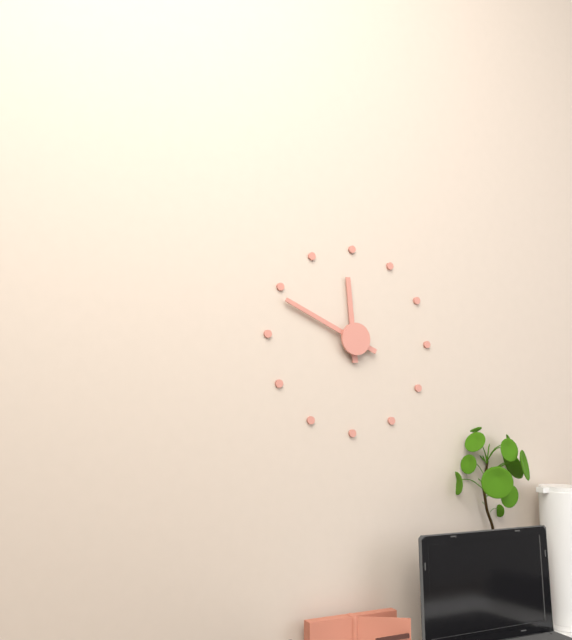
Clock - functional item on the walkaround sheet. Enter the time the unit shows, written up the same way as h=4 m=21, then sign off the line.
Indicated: h=11 m=49
